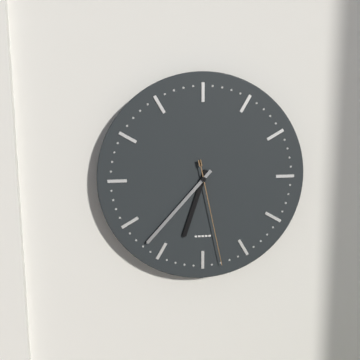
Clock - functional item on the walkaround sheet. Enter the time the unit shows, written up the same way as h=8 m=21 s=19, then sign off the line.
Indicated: h=6 m=37 s=28
